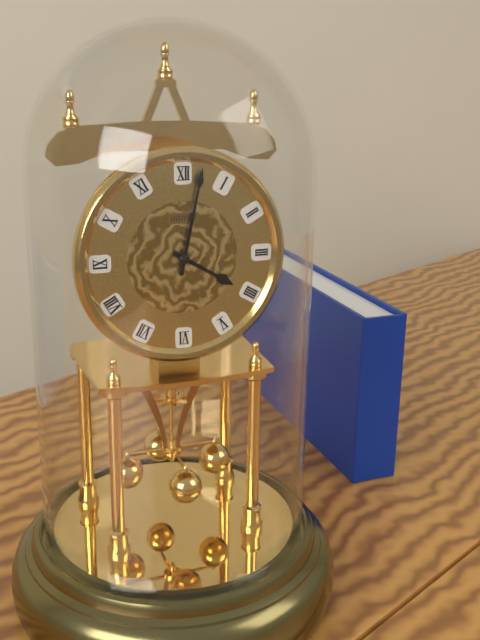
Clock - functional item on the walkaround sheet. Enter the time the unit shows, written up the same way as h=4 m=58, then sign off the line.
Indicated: h=4 m=2
